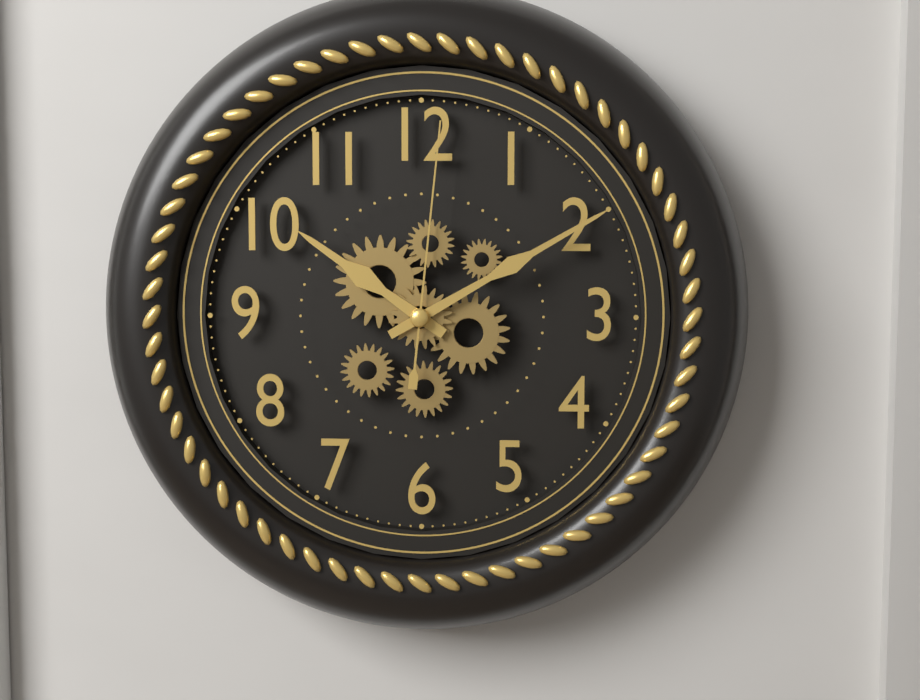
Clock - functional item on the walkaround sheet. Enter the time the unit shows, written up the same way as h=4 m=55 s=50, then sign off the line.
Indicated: h=10 m=10 s=1
